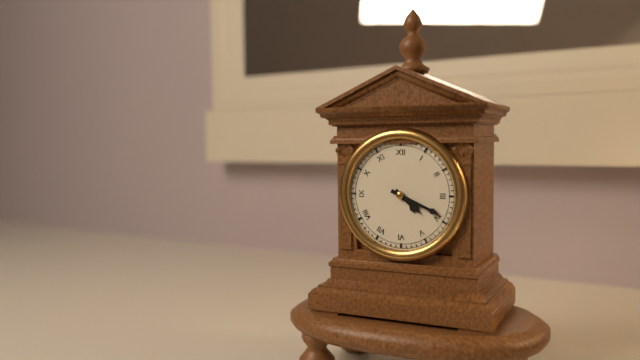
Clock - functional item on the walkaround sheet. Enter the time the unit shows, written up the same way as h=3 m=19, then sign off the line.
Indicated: h=4 m=19
